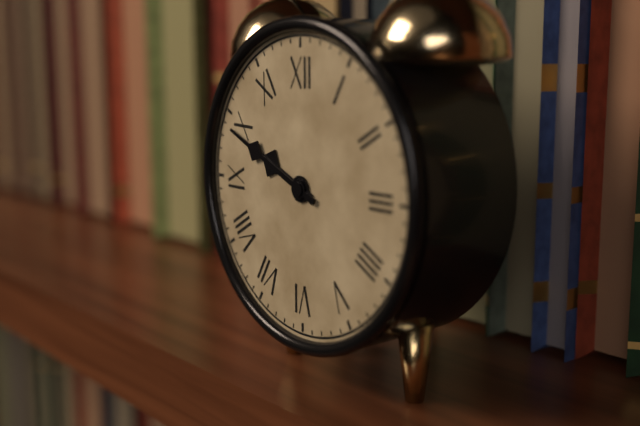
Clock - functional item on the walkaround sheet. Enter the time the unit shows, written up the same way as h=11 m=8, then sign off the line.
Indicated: h=9 m=49
